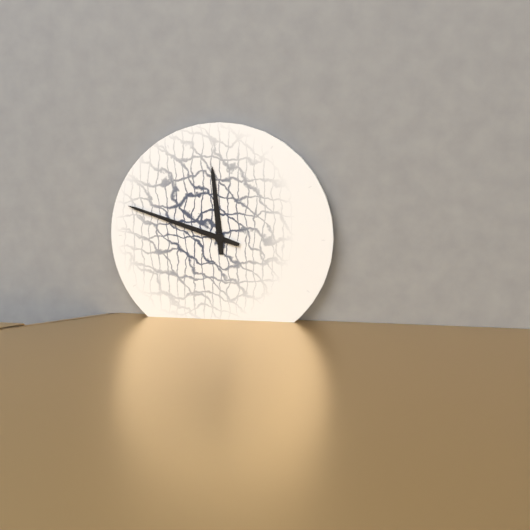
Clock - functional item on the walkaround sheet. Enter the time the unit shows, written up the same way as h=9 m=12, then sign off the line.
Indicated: h=11 m=48
